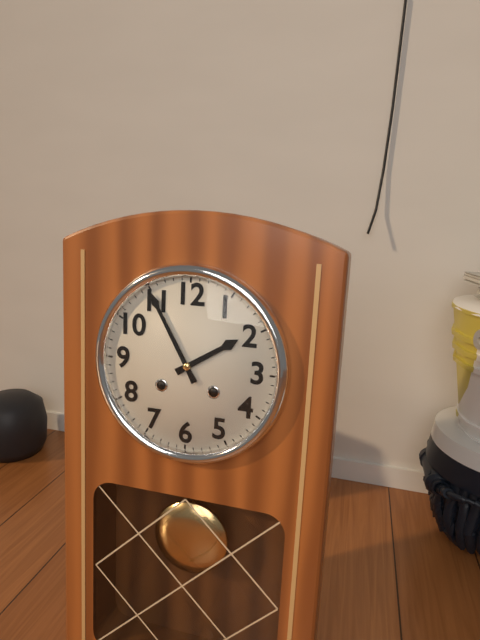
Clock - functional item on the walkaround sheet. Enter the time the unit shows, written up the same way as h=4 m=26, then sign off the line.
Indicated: h=1 m=55
